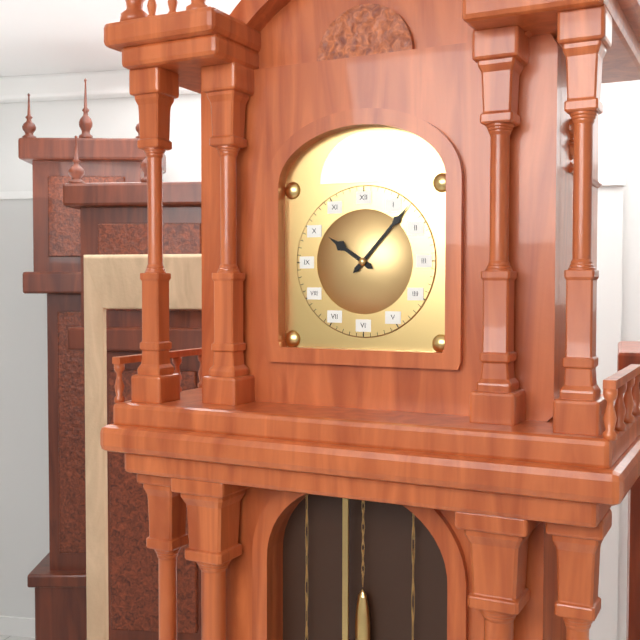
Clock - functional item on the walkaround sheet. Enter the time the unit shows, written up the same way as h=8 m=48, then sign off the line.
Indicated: h=10 m=7
